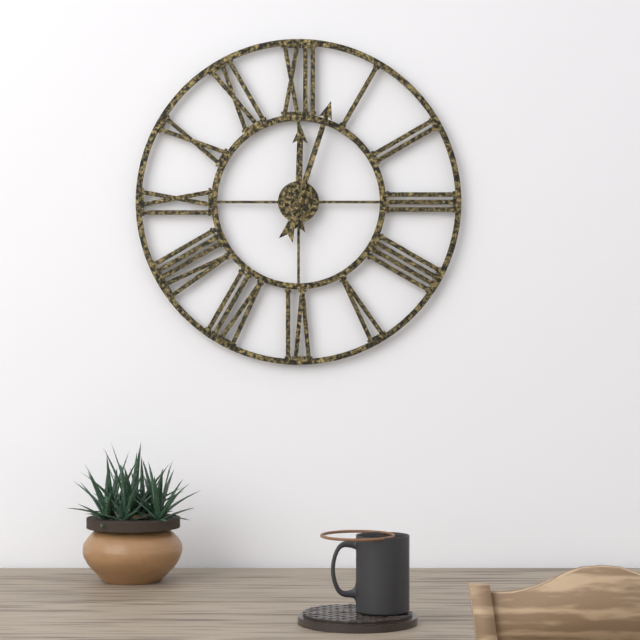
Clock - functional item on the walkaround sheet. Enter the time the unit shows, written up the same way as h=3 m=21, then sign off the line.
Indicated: h=12 m=3
